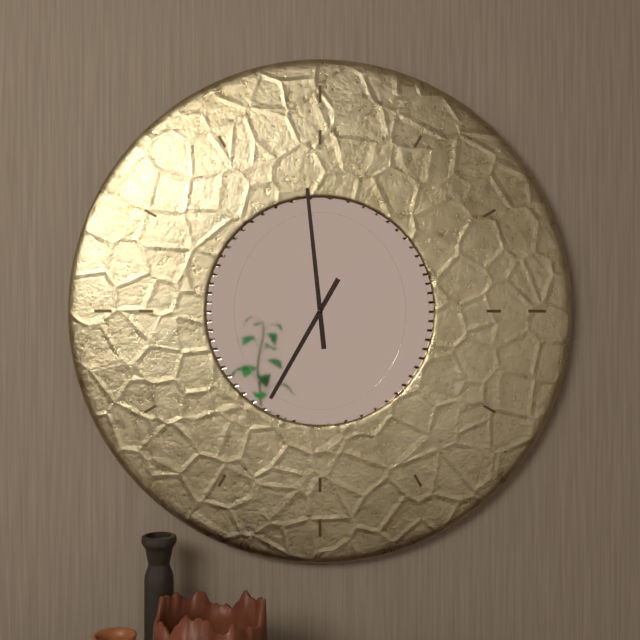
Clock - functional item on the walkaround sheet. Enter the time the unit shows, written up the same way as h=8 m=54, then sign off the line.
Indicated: h=6 m=59
